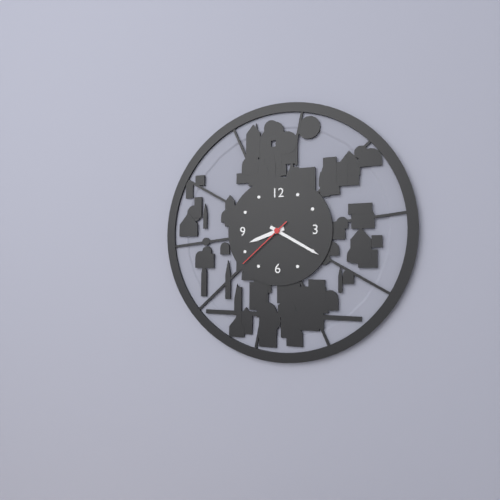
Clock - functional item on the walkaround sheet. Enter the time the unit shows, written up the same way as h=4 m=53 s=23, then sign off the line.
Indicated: h=8 m=20 s=38
